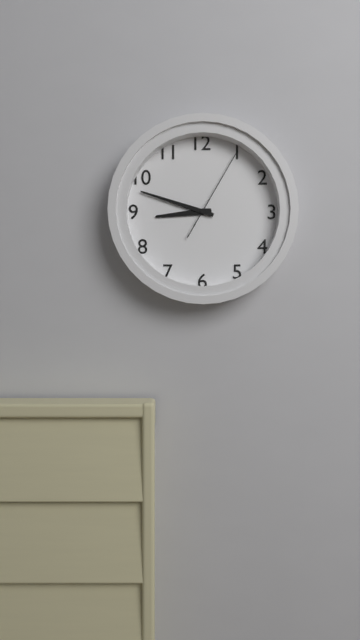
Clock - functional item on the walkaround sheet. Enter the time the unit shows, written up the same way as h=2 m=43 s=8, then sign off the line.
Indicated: h=8 m=48 s=5
